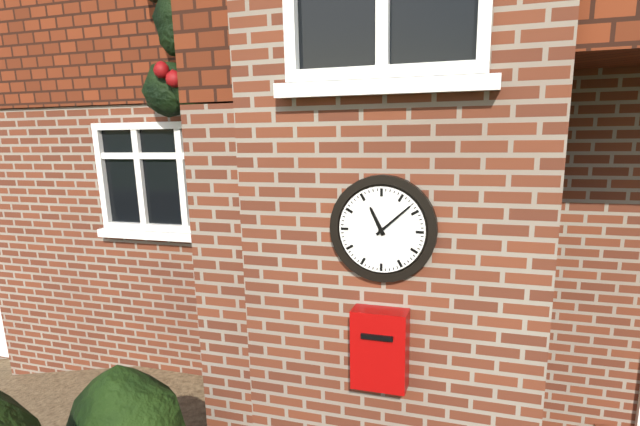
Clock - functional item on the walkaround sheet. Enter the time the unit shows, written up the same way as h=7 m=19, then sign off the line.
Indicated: h=11 m=8
